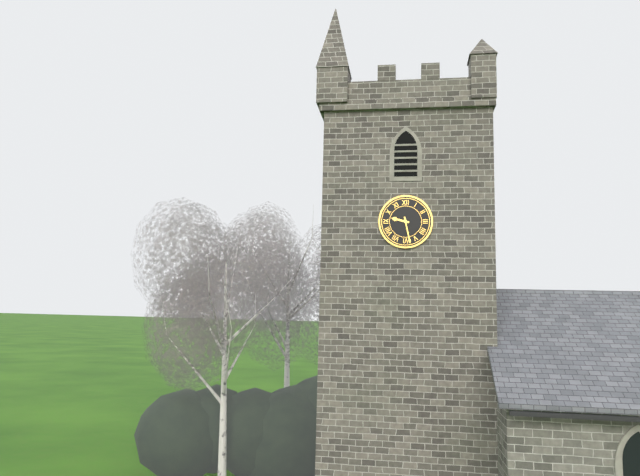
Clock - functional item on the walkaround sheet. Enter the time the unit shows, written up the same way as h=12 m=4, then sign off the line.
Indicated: h=9 m=28
